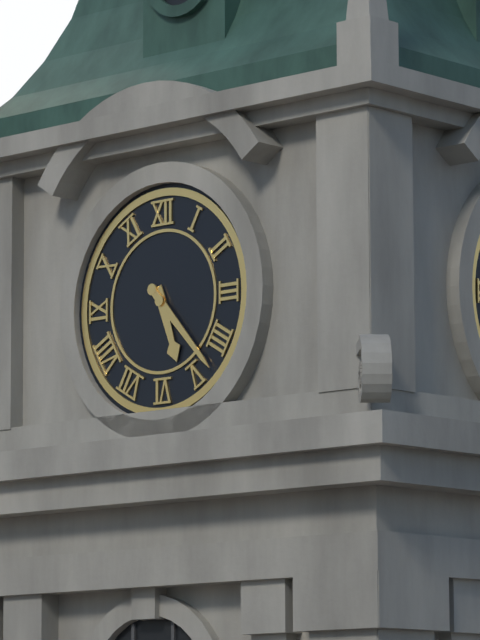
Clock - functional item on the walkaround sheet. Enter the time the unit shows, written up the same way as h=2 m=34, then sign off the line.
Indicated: h=5 m=23
